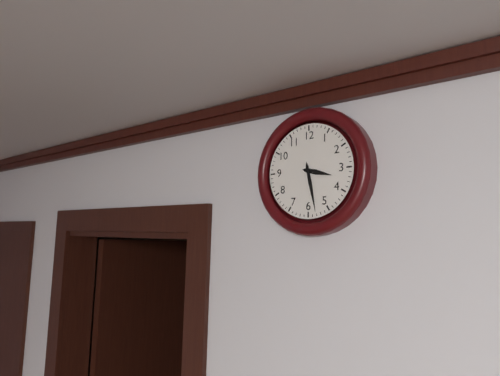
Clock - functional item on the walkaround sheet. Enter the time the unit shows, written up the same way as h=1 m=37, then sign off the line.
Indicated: h=3 m=28
